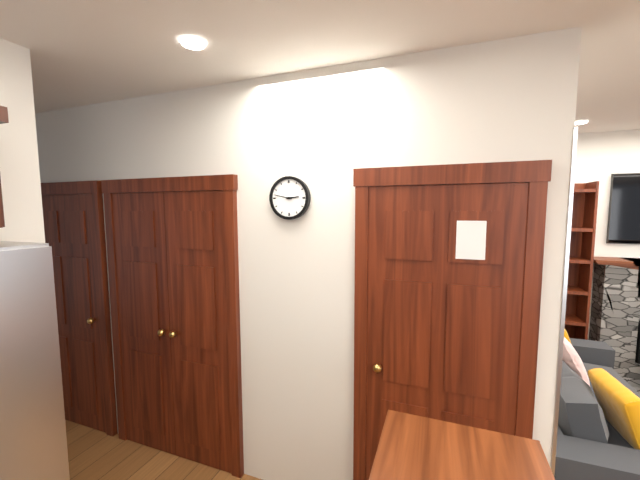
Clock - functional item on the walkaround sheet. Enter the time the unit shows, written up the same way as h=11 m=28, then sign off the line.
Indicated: h=2 m=47
